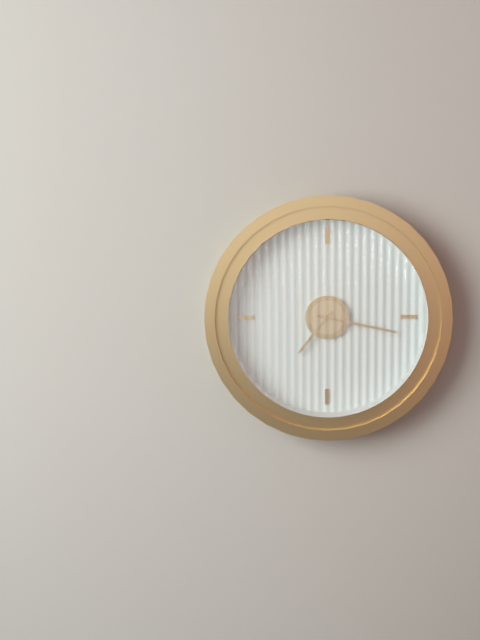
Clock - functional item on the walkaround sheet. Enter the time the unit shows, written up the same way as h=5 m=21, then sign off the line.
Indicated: h=7 m=17
